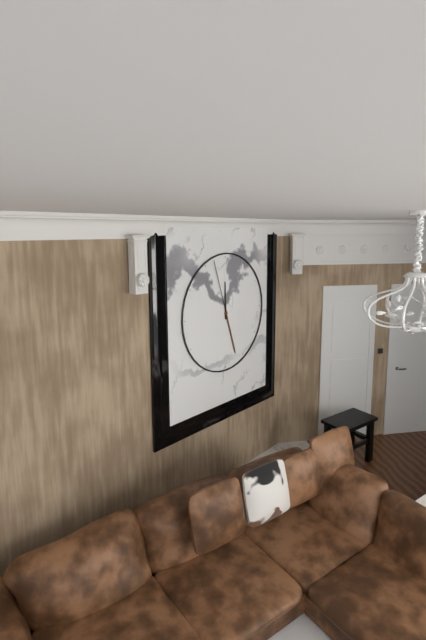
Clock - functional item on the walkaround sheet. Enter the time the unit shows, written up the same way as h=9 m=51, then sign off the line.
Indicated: h=11 m=57
